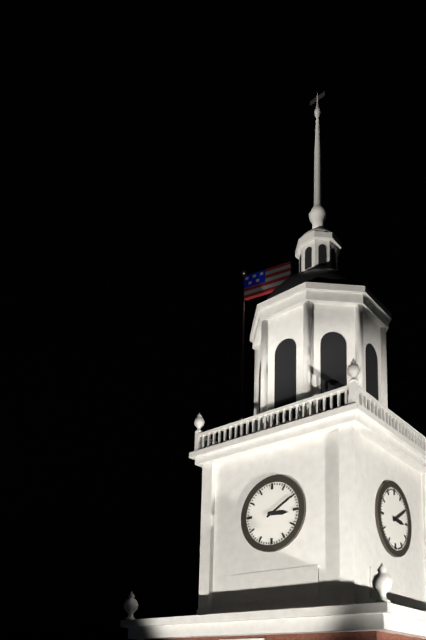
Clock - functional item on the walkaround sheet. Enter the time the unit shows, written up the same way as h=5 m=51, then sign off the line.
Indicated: h=3 m=10
